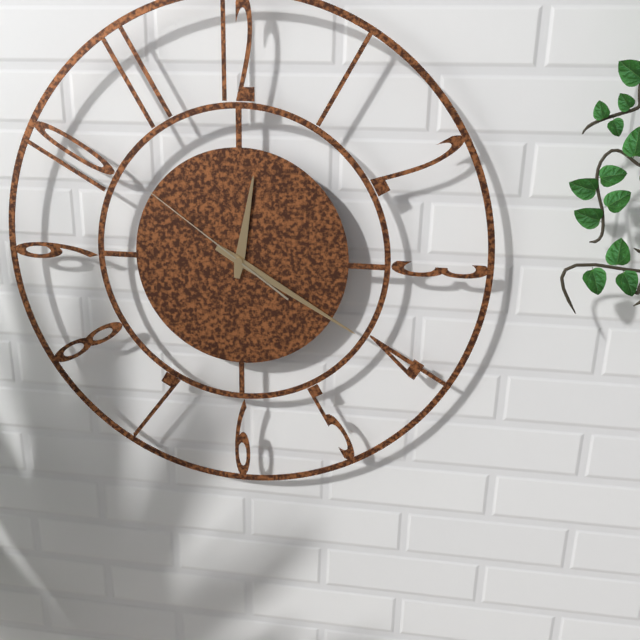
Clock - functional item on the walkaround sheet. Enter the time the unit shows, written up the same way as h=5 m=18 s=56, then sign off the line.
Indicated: h=12 m=20 s=51
